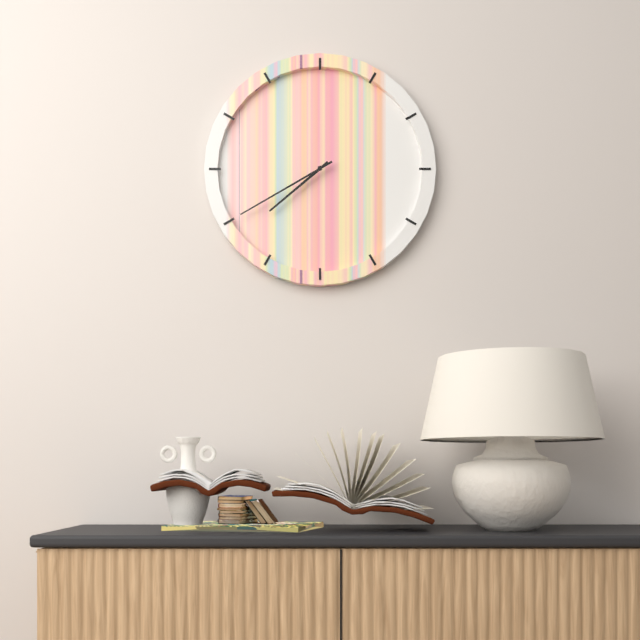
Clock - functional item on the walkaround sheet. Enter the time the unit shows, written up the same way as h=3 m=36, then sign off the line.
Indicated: h=7 m=40
